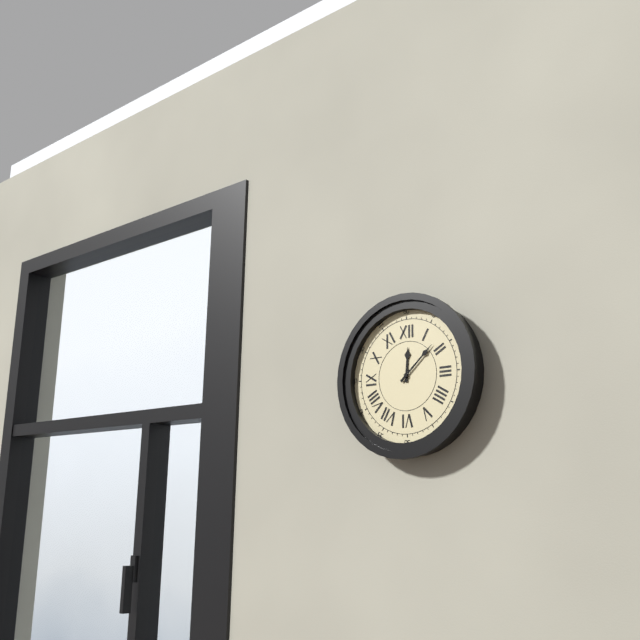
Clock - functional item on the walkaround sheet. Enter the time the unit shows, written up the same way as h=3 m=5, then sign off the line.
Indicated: h=12 m=8
